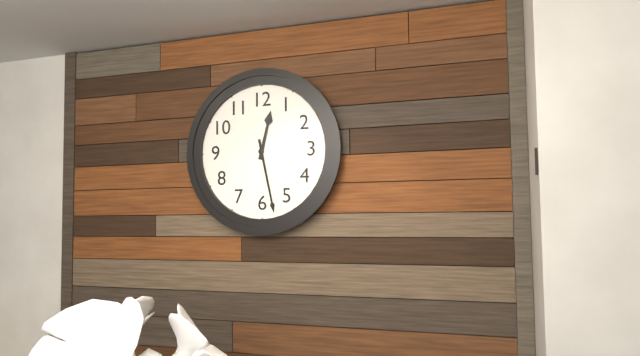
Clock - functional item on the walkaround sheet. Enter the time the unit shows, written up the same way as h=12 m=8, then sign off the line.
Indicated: h=12 m=28
